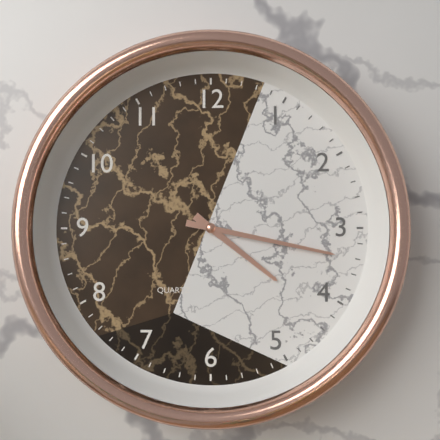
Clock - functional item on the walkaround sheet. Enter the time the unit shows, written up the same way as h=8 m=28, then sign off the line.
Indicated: h=4 m=17
